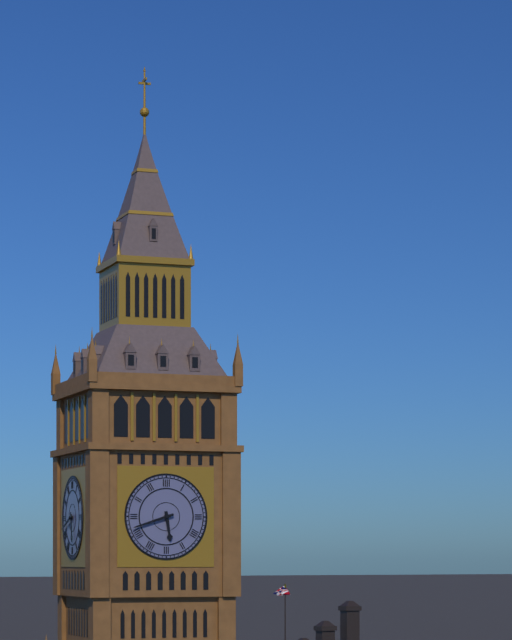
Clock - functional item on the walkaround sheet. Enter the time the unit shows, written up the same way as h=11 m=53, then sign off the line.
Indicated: h=5 m=42
